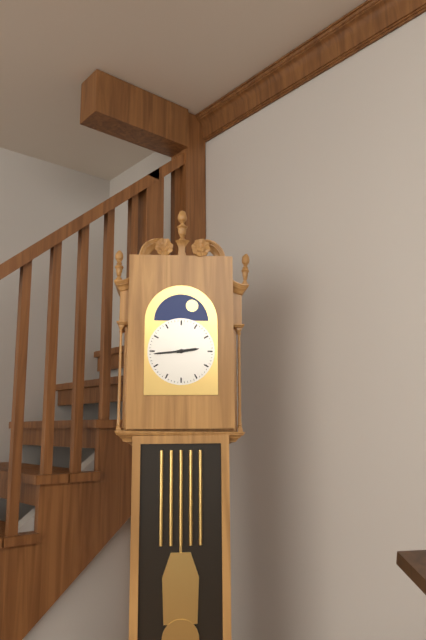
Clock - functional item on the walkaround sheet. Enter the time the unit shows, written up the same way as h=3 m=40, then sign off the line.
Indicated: h=2 m=44
